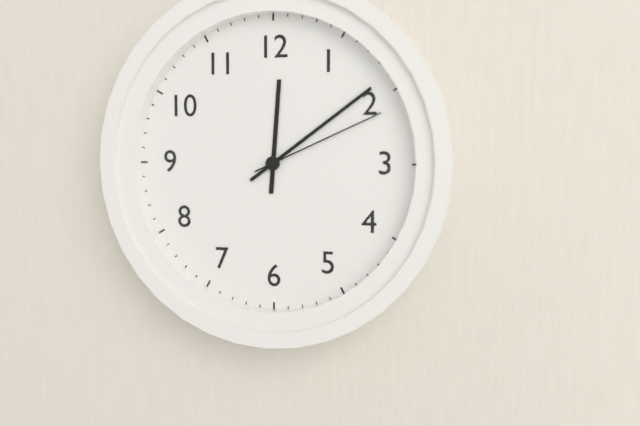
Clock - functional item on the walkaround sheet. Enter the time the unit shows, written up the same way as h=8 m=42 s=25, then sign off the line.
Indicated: h=12 m=9 s=11
